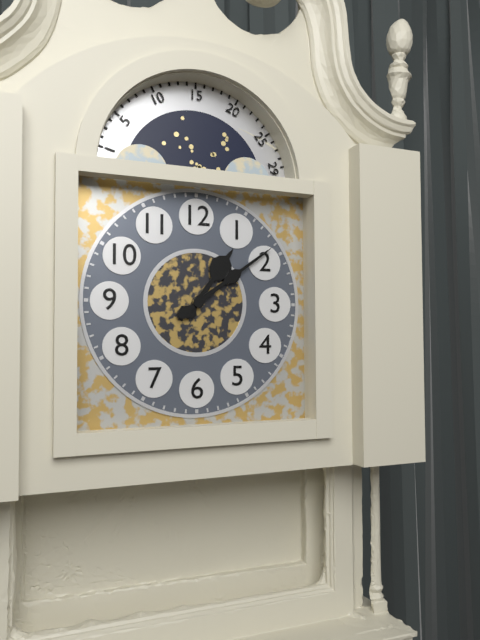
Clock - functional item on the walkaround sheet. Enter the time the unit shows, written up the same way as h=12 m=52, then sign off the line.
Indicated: h=1 m=9
